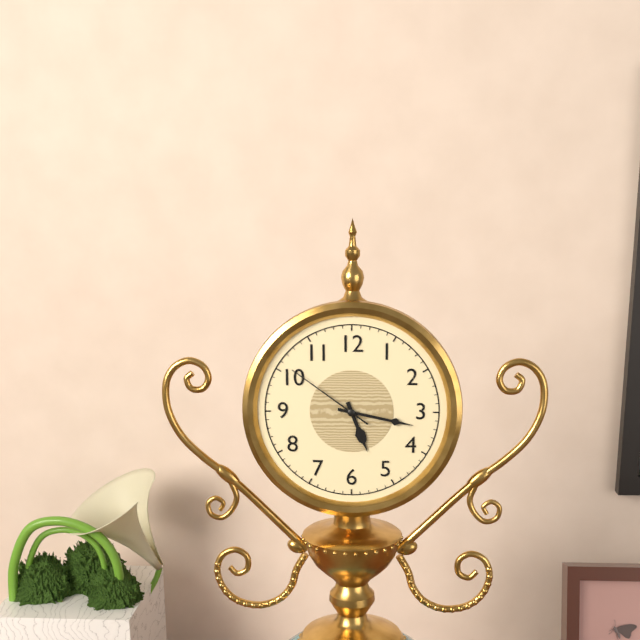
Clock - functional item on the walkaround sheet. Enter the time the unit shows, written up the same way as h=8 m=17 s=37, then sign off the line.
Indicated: h=5 m=17 s=51
